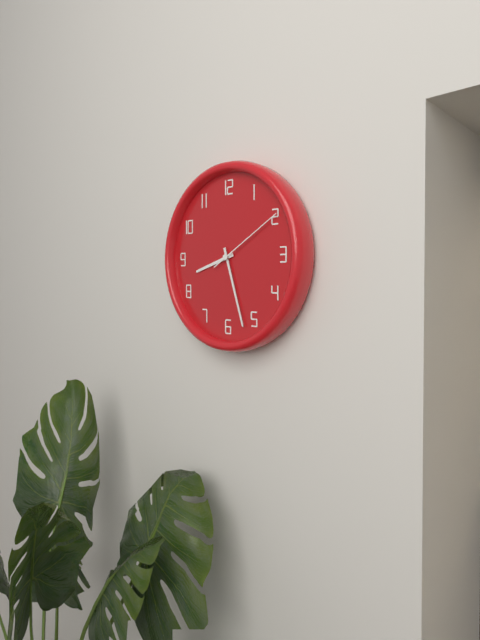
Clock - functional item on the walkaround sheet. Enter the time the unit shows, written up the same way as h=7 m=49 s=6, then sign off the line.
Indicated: h=8 m=27 s=10
